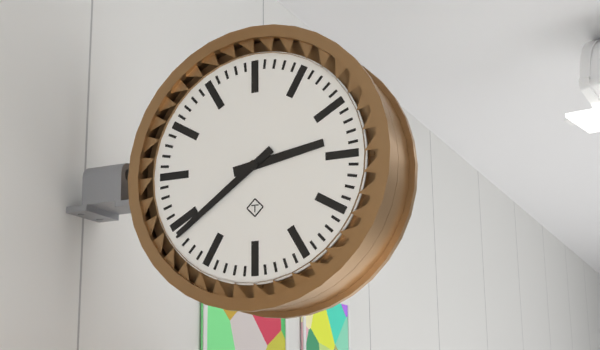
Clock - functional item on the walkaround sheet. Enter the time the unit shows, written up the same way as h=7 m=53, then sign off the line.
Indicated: h=2 m=39
